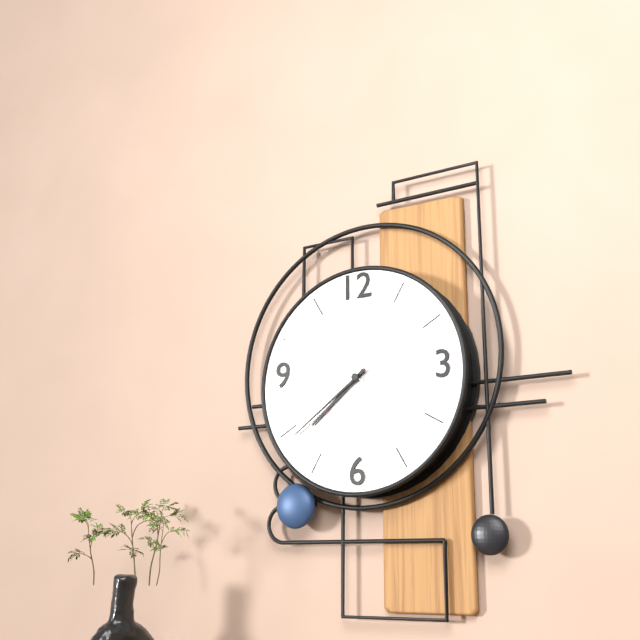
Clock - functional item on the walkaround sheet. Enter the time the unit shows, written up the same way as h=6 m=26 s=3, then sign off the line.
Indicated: h=7 m=39 s=50
